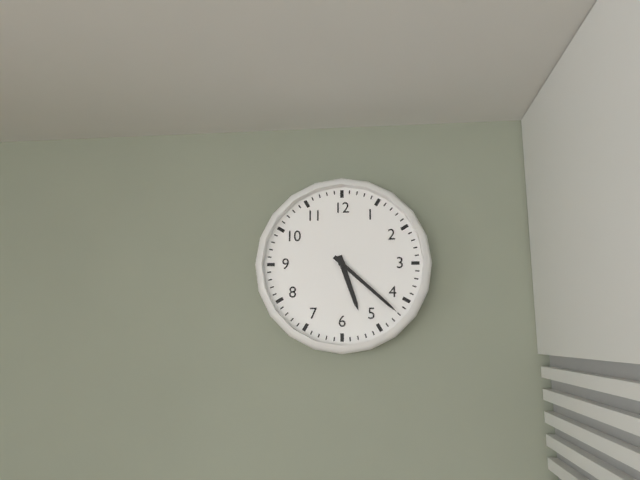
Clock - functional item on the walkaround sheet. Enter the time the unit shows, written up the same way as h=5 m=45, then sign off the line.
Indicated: h=5 m=22
